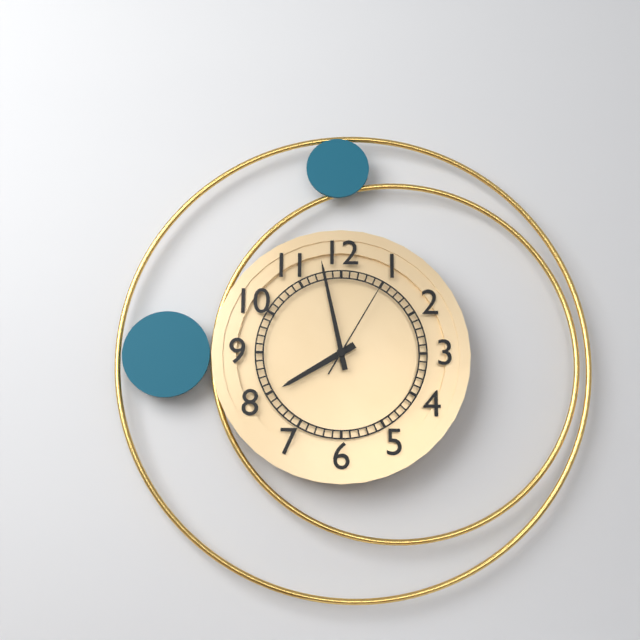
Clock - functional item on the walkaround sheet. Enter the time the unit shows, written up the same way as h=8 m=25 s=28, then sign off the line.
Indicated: h=7 m=58 s=5
